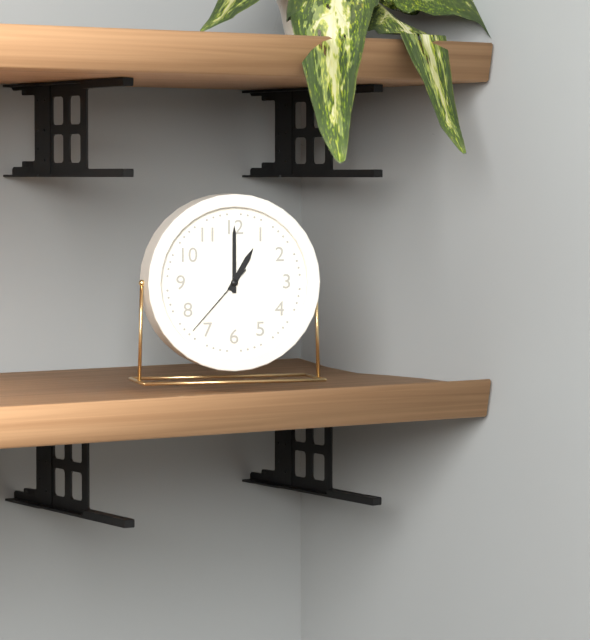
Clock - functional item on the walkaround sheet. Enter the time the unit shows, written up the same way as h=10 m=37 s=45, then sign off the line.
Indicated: h=1 m=0 s=37
